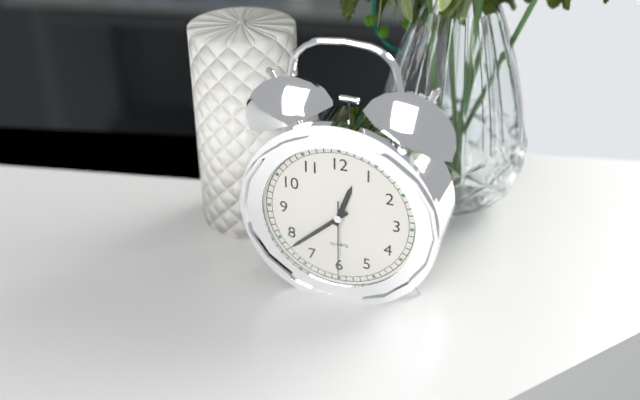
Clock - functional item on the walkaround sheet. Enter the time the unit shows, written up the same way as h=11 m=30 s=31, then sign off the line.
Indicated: h=12 m=38 s=30
